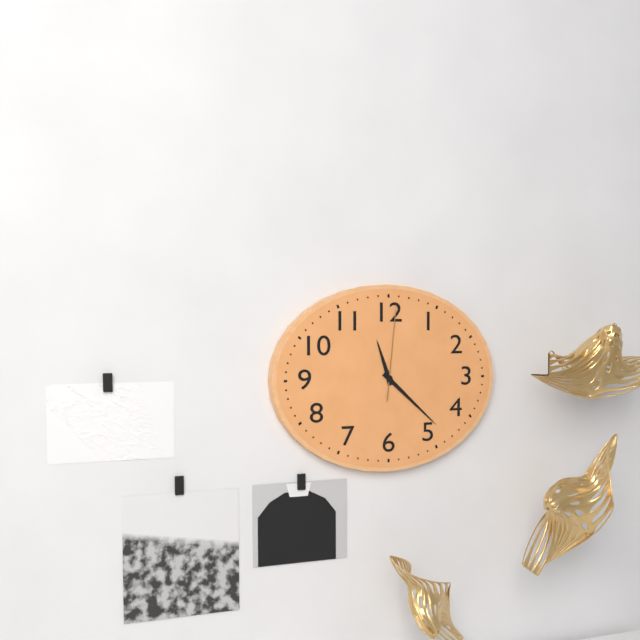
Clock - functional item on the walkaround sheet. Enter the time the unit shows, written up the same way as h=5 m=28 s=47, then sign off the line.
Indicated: h=11 m=22 s=1
